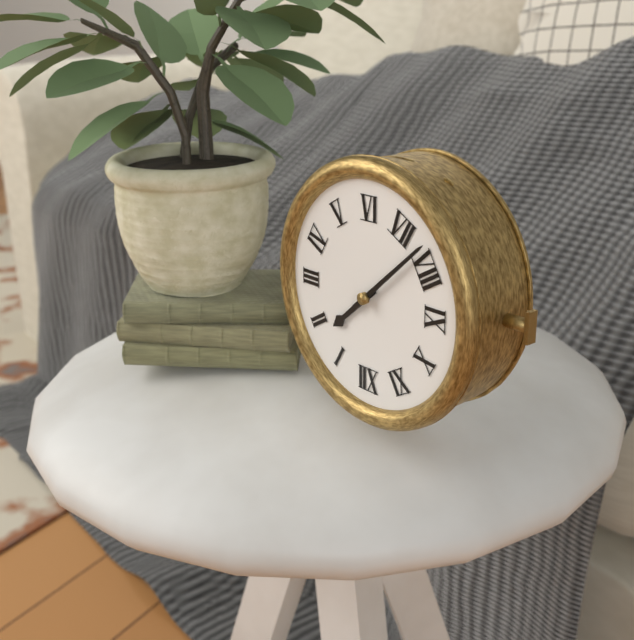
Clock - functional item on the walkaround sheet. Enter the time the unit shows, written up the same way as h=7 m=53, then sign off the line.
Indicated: h=1 m=38
